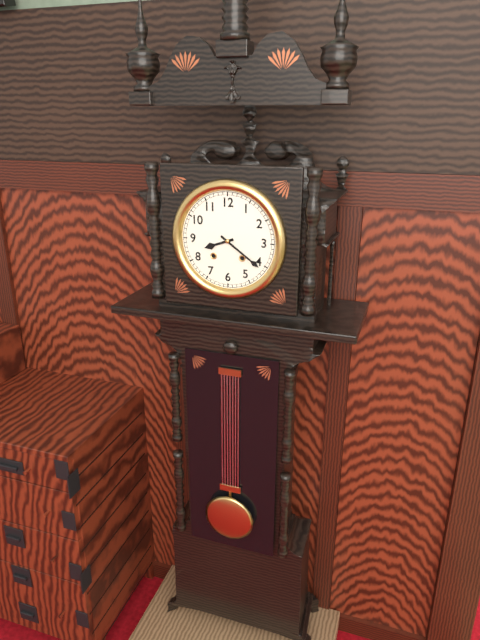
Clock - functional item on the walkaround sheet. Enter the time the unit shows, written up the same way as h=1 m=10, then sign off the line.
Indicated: h=8 m=21
